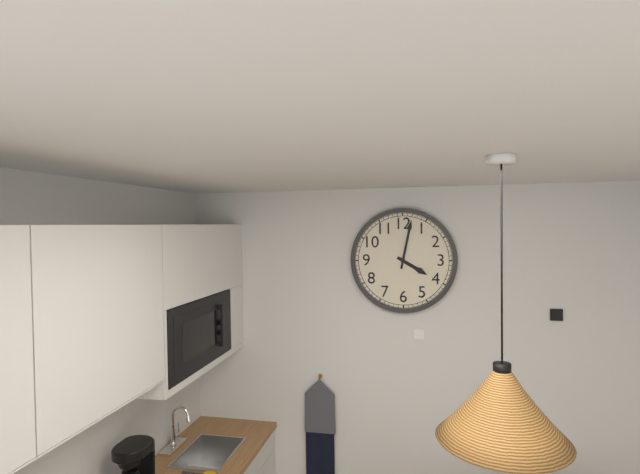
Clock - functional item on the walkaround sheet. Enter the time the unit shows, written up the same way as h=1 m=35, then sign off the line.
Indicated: h=4 m=2
